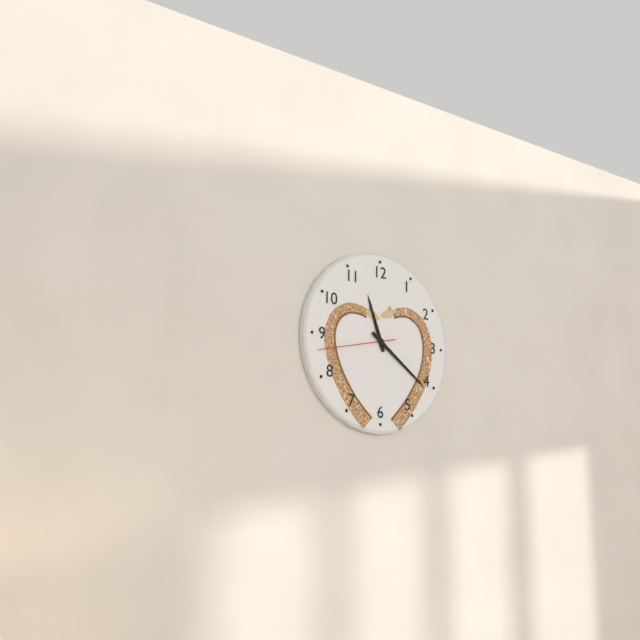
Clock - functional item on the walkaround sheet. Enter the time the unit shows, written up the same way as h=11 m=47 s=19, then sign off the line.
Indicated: h=11 m=21 s=43
